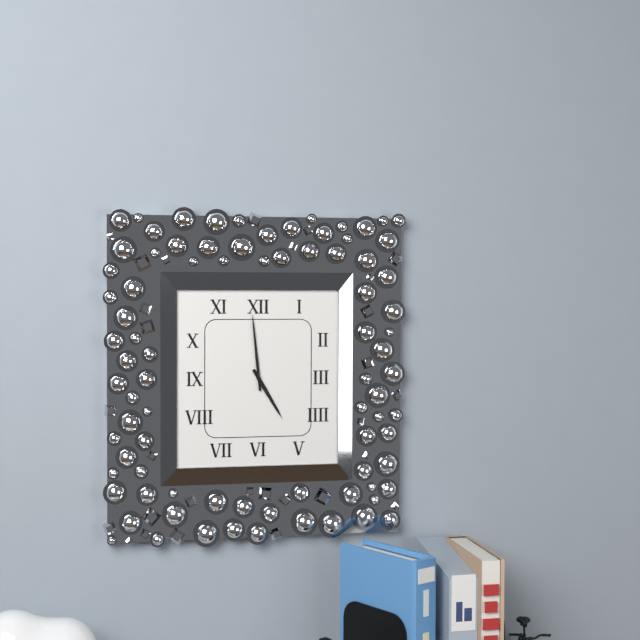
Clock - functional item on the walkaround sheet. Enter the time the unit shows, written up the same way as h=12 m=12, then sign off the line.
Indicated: h=4 m=59
